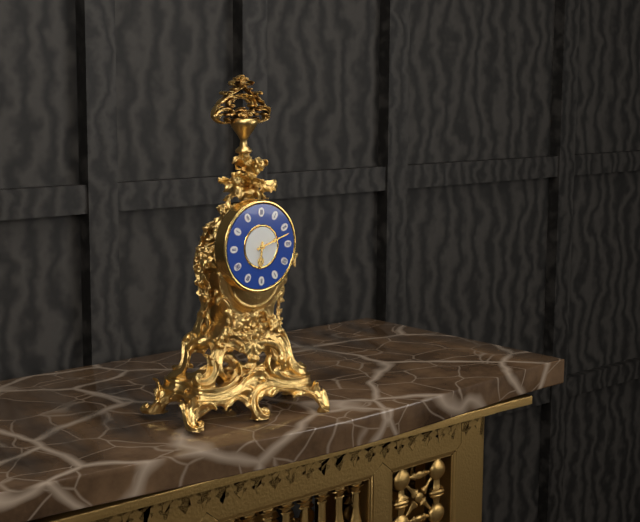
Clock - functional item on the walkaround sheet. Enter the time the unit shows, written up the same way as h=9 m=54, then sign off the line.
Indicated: h=6 m=12
